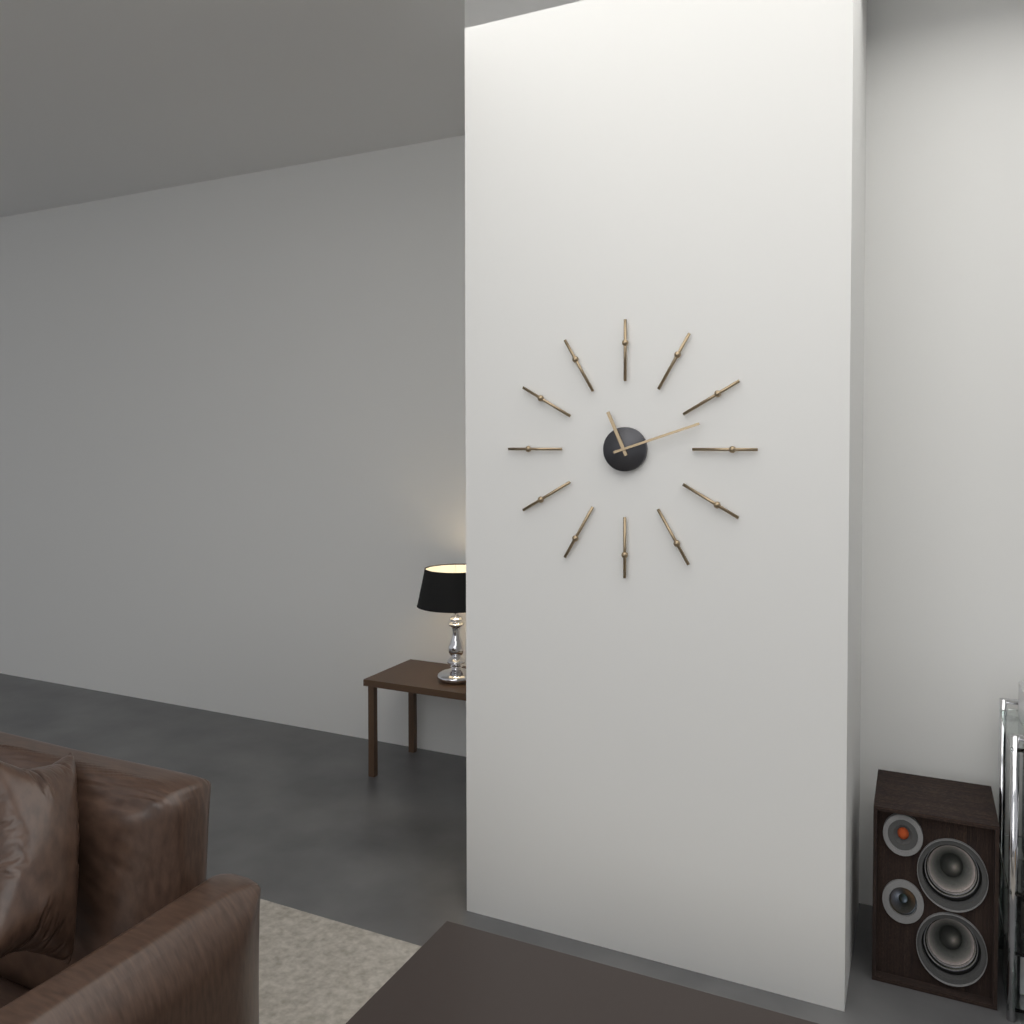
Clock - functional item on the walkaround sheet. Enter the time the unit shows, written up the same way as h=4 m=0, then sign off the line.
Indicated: h=11 m=12
